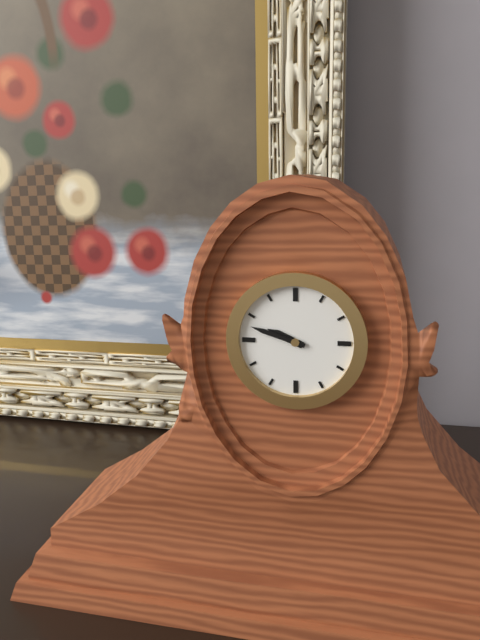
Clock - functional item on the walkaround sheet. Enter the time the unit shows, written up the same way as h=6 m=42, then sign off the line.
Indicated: h=9 m=48
